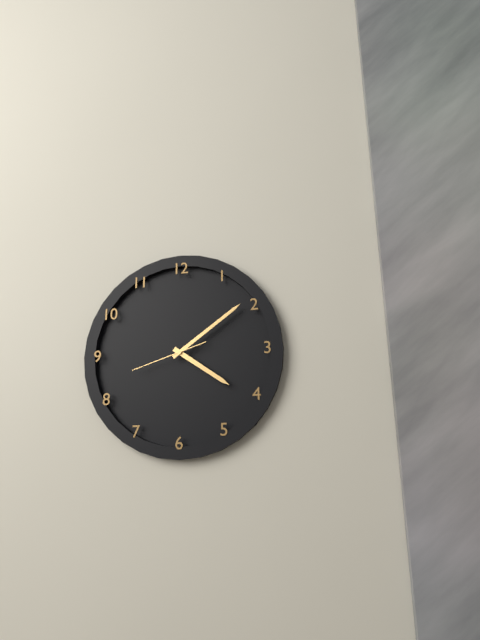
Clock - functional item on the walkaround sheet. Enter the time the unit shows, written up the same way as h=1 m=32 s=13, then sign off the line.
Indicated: h=4 m=9 s=42
